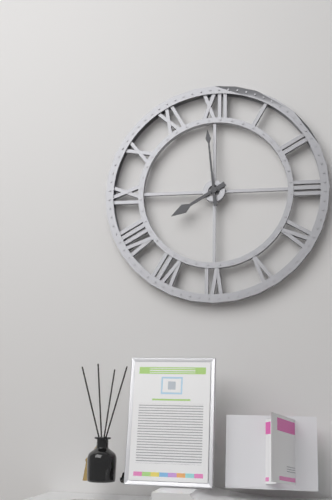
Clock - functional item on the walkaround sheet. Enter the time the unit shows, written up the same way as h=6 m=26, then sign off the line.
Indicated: h=7 m=59
